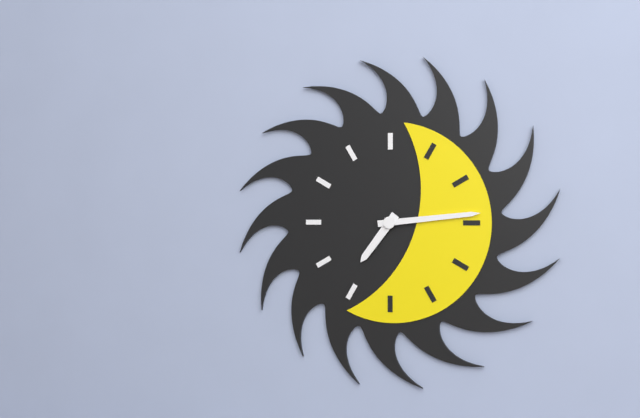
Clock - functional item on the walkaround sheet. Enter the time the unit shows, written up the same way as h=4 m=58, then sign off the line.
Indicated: h=7 m=14
